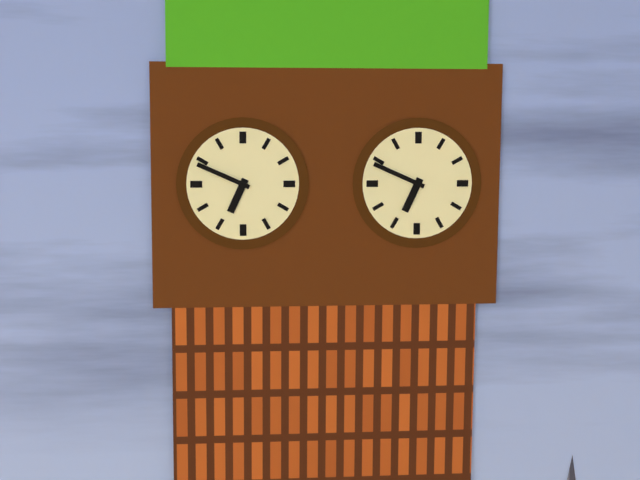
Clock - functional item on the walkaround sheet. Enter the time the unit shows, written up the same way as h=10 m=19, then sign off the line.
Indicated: h=6 m=49
